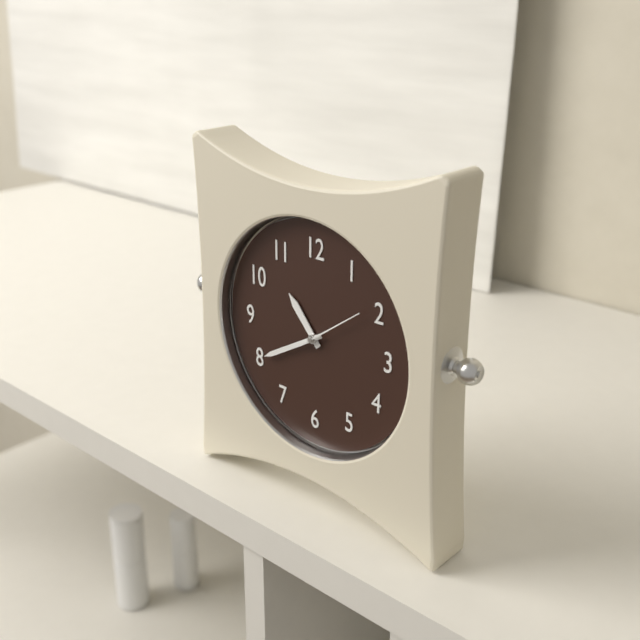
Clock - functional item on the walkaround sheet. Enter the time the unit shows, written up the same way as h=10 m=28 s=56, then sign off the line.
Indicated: h=10 m=40 s=9
